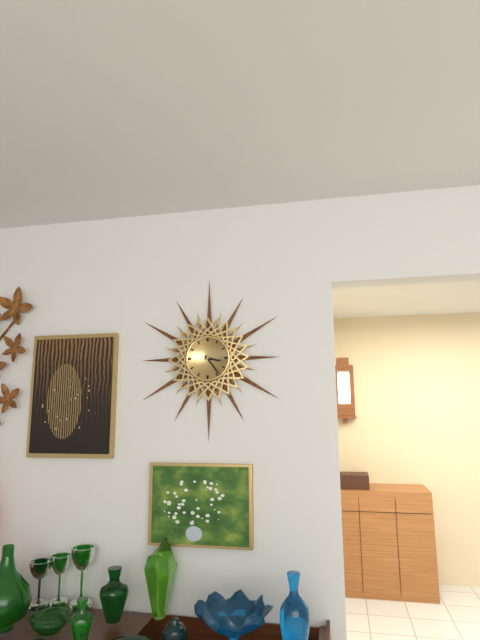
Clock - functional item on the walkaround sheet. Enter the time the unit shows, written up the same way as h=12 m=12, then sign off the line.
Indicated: h=3 m=24
